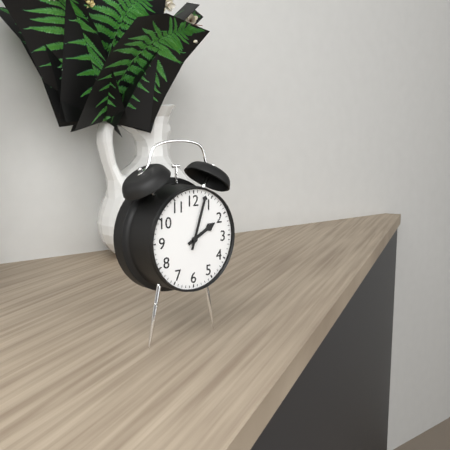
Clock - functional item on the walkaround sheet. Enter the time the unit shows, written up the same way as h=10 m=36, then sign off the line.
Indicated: h=2 m=3
